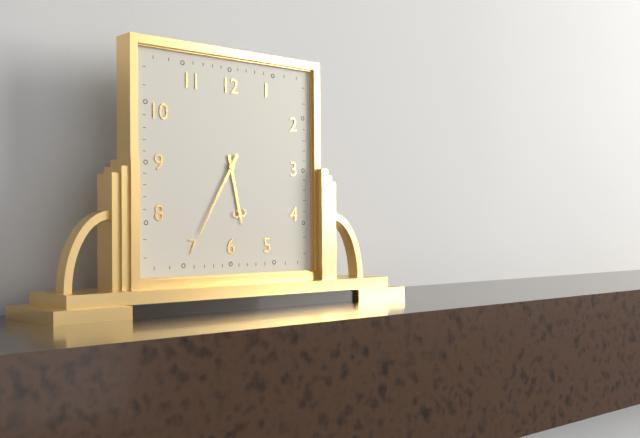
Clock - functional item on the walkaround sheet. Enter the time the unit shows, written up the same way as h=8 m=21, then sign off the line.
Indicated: h=5 m=35
